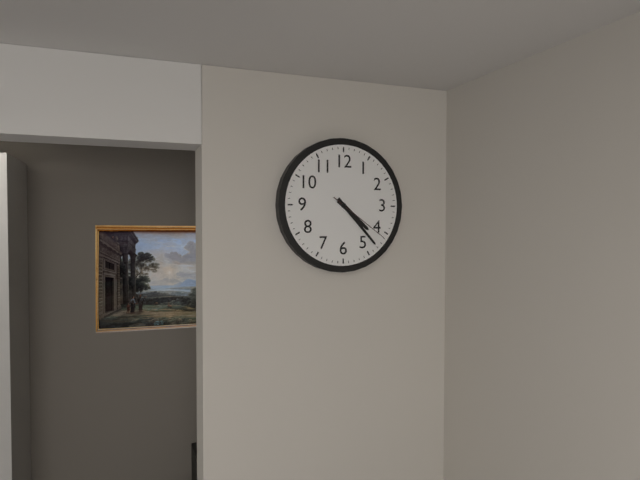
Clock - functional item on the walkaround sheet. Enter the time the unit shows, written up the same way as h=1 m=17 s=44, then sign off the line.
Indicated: h=4 m=23 s=21
